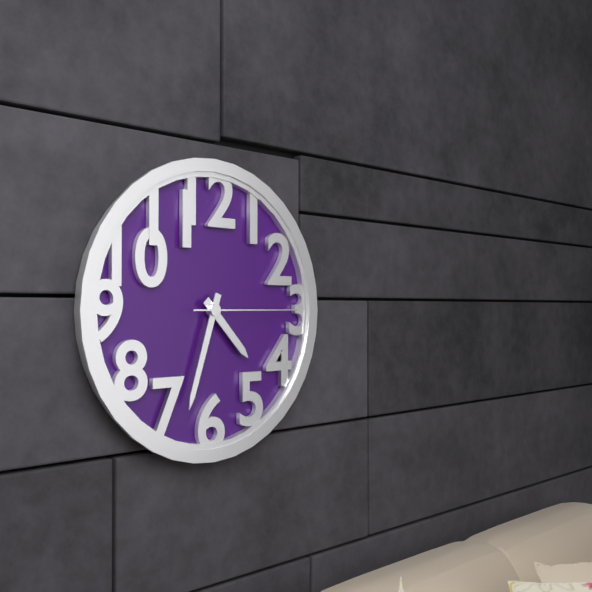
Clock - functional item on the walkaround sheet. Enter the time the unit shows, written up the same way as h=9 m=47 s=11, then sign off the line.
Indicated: h=4 m=33 s=15
